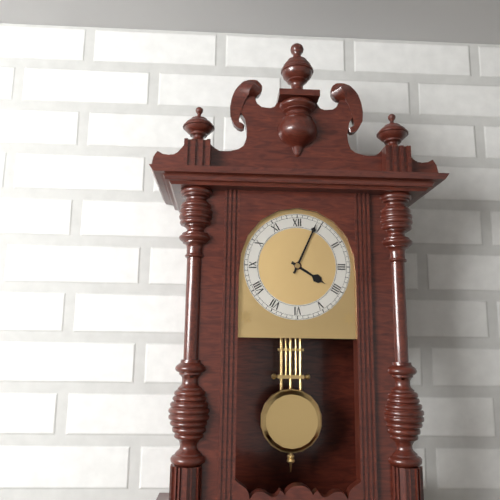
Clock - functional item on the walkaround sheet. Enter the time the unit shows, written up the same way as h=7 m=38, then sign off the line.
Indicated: h=4 m=4
